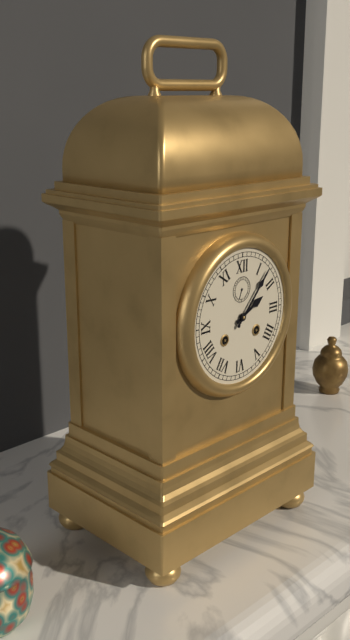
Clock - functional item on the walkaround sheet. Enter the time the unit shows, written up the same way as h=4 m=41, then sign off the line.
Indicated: h=2 m=7
